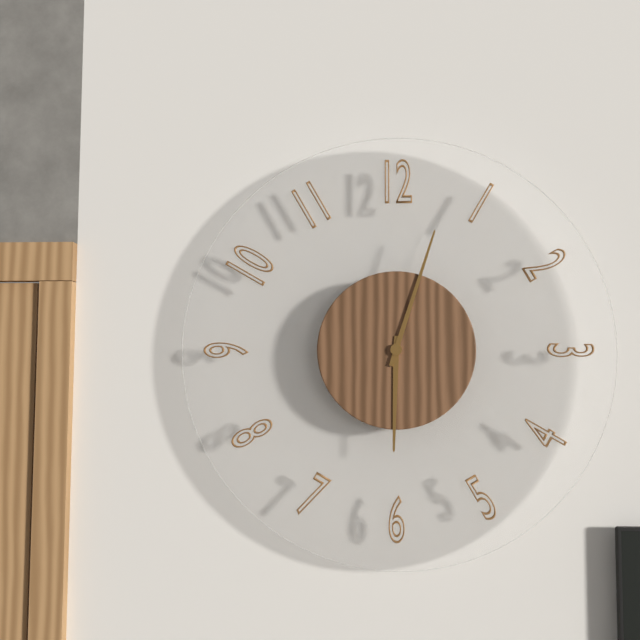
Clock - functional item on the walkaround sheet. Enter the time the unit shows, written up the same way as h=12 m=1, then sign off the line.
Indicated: h=6 m=3
